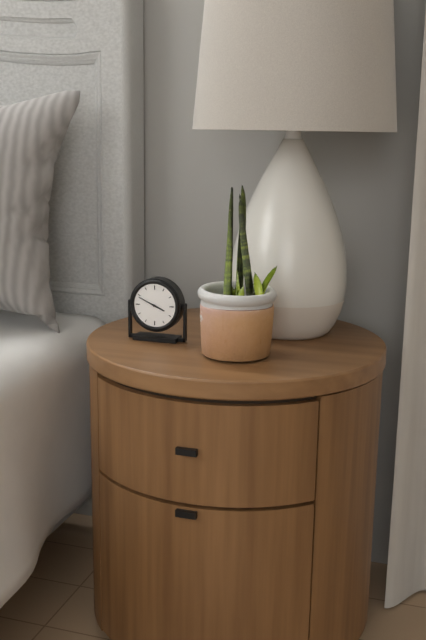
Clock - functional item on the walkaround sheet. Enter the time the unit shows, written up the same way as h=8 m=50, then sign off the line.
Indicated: h=3 m=49
